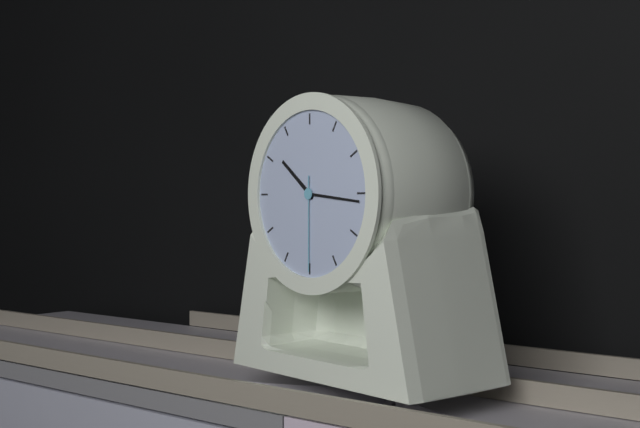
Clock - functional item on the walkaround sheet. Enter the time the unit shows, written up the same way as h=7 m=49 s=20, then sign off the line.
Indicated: h=10 m=16 s=30
